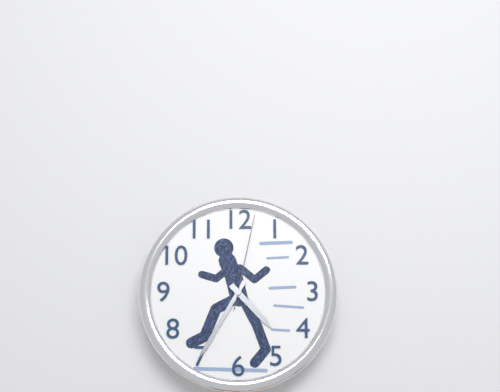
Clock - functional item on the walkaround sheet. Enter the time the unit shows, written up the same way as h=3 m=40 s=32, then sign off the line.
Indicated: h=4 m=35 s=2
